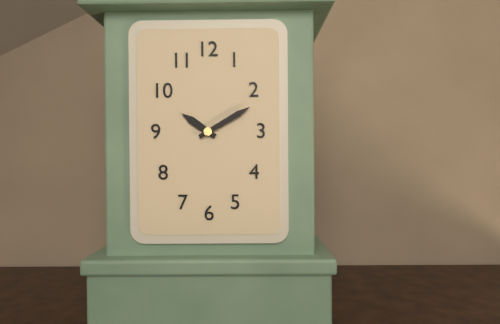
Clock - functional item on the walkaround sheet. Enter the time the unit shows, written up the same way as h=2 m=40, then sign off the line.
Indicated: h=10 m=10
